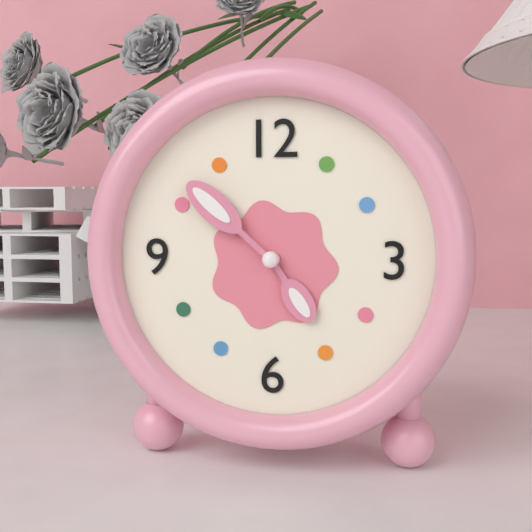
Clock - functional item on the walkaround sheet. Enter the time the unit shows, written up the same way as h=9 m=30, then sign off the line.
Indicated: h=4 m=52
